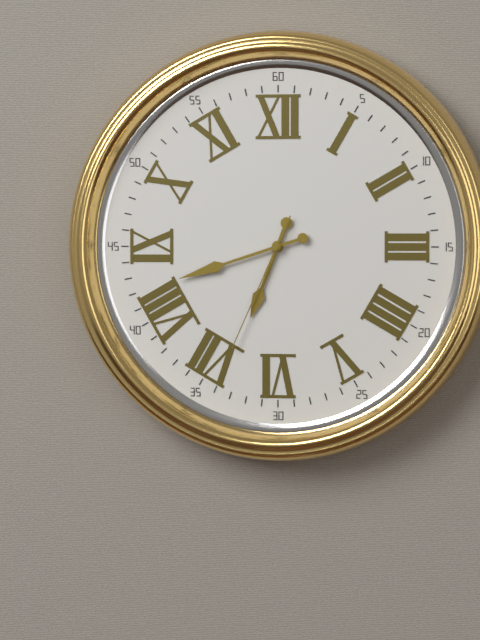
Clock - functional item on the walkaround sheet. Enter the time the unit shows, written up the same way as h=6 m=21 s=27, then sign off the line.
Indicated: h=6 m=42 s=34
